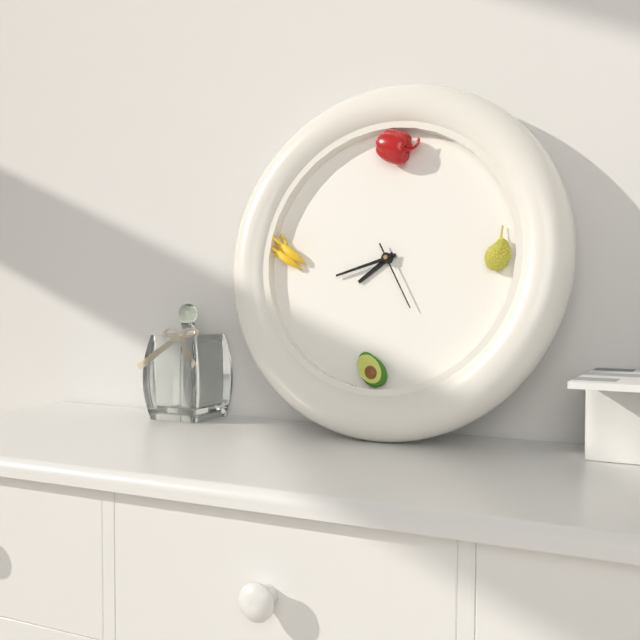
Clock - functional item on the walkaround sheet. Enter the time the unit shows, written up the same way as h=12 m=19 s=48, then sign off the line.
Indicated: h=7 m=42 s=25
